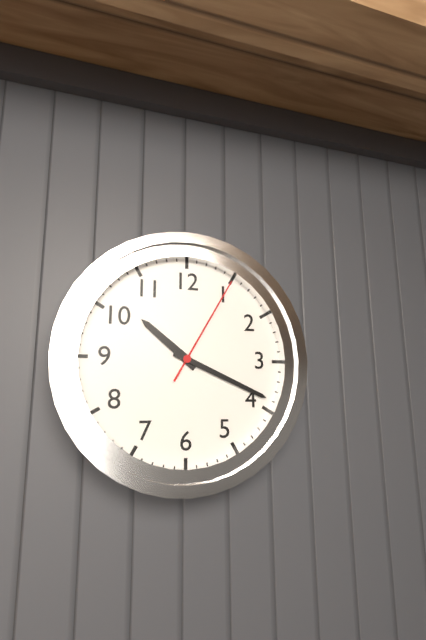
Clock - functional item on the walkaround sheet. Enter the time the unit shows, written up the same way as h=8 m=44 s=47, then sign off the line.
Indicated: h=10 m=19 s=5
